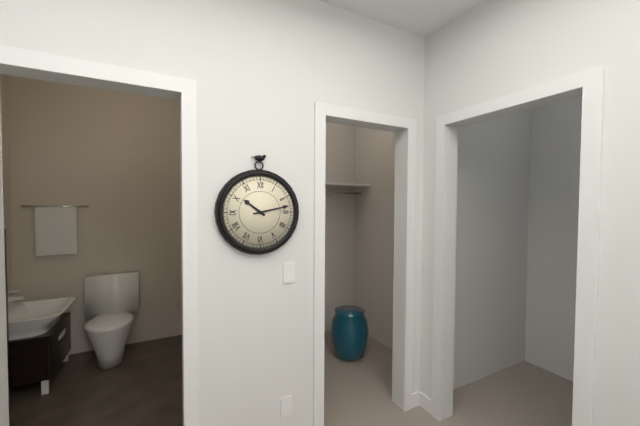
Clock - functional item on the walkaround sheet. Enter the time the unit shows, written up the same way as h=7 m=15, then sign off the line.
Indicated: h=10 m=13
